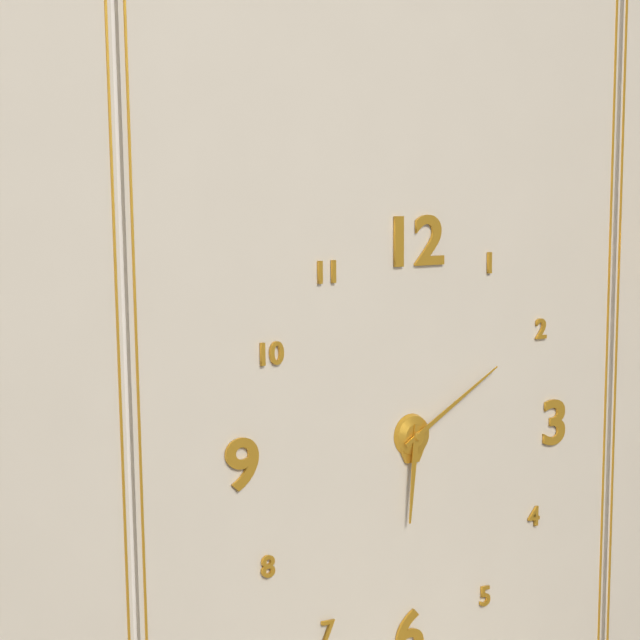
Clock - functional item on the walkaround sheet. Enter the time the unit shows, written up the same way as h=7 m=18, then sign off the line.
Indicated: h=6 m=10
